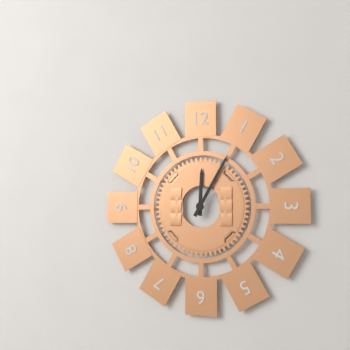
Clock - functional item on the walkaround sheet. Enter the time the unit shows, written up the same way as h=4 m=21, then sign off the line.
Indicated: h=12 m=5
